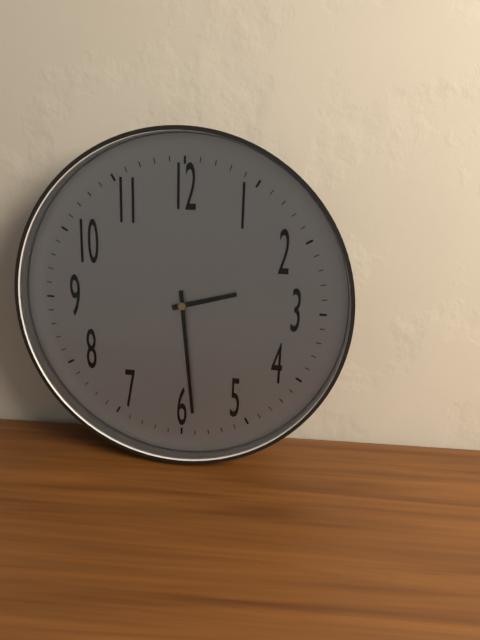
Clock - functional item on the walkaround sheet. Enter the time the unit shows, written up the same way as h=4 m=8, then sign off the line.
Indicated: h=2 m=29
